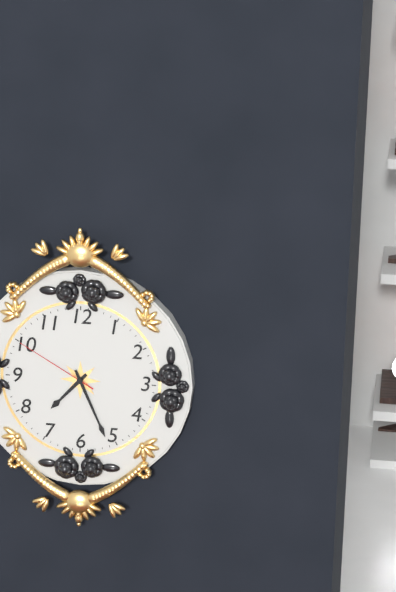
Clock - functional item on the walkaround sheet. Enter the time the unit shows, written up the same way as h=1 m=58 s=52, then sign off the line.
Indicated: h=7 m=26 s=50
